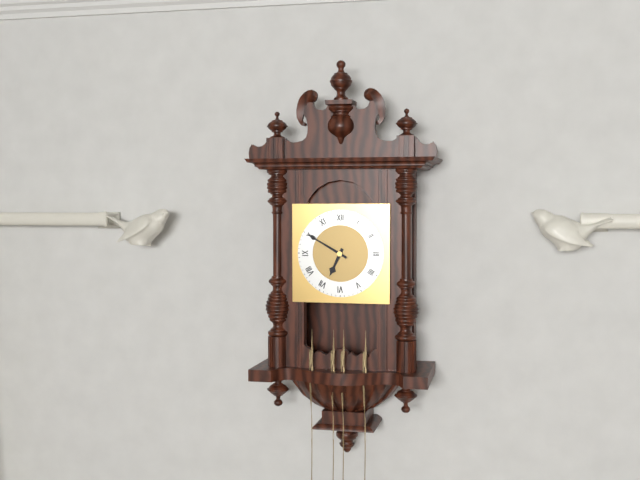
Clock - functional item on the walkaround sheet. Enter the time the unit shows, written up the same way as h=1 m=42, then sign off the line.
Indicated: h=6 m=50
